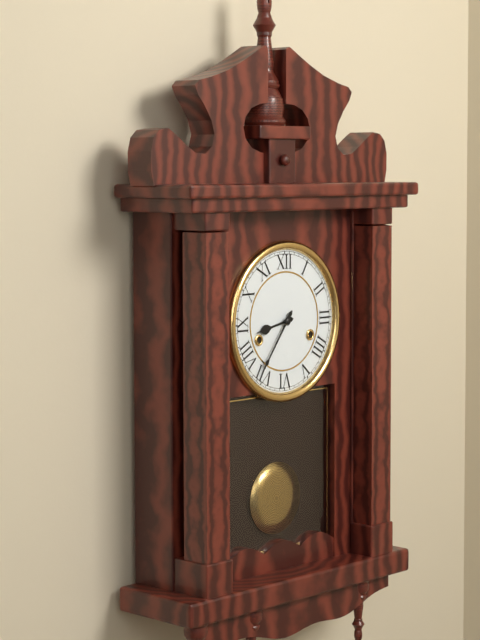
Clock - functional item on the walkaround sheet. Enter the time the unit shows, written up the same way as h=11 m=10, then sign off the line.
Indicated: h=8 m=36
